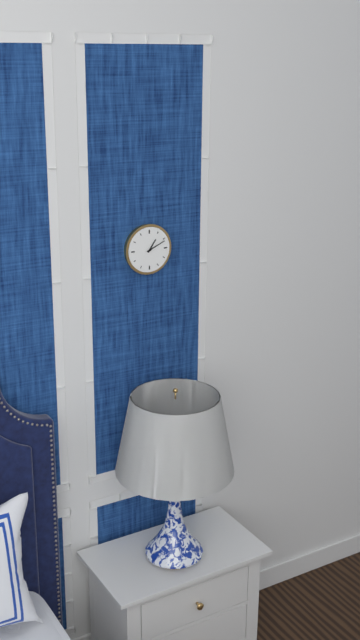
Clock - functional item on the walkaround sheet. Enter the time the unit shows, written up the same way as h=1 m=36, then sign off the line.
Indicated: h=1 m=11
